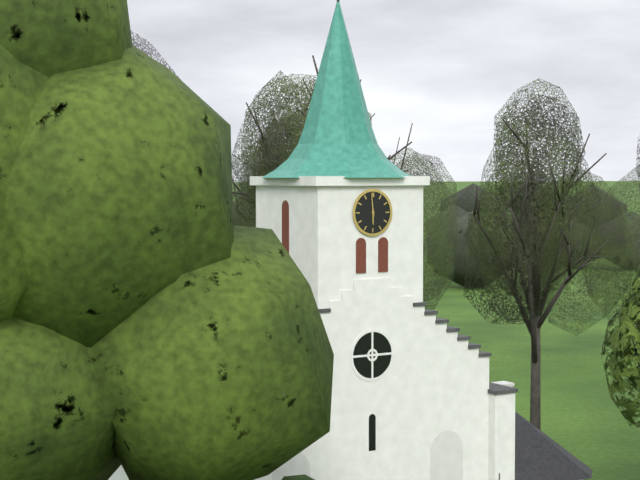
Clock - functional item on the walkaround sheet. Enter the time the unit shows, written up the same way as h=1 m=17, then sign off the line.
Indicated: h=5 m=59
